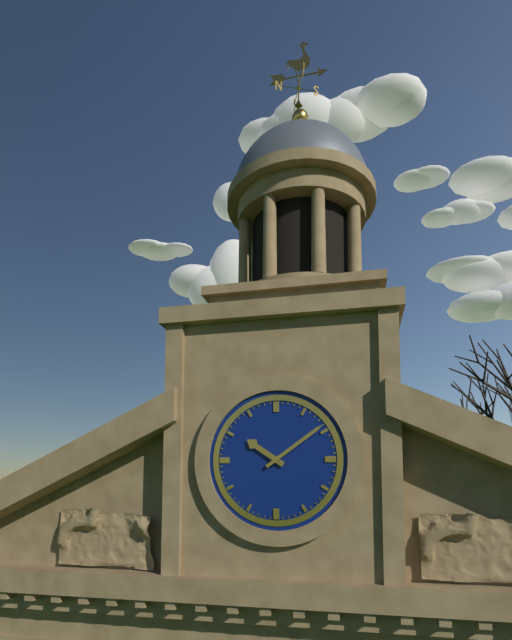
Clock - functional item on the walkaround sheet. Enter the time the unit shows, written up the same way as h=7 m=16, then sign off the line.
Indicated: h=10 m=9
